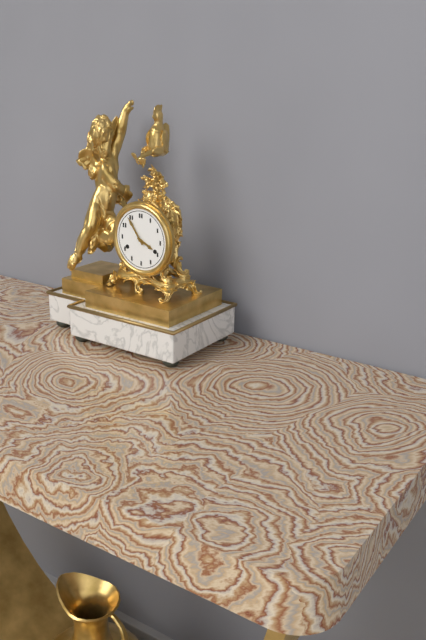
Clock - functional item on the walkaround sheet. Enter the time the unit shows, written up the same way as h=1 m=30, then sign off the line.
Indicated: h=3 m=54
